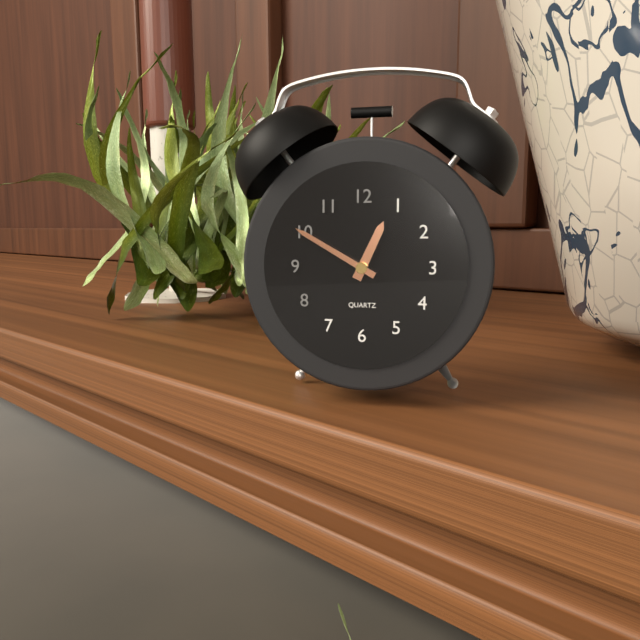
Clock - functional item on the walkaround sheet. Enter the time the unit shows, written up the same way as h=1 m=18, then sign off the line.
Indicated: h=12 m=50
